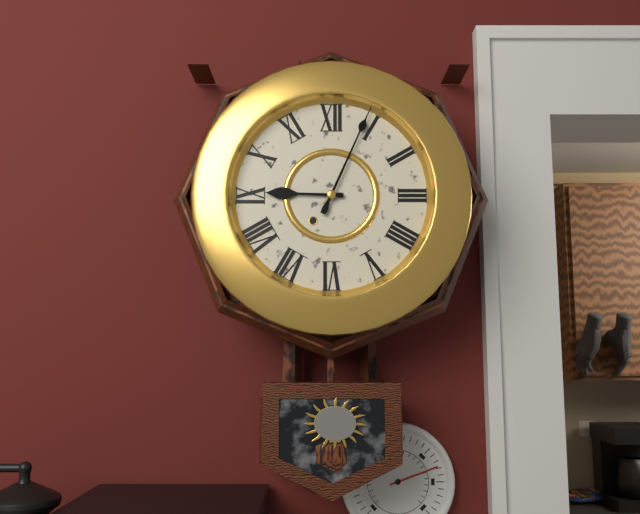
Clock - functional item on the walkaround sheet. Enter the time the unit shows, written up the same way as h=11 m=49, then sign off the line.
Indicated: h=9 m=4
